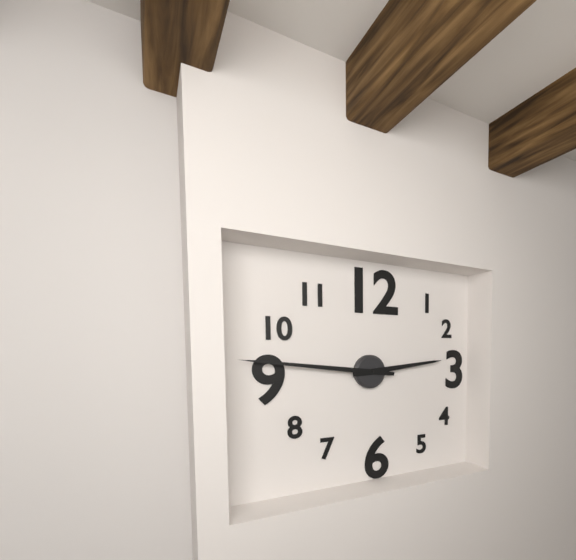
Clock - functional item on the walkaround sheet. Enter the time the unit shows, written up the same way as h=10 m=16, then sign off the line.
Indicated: h=2 m=46
